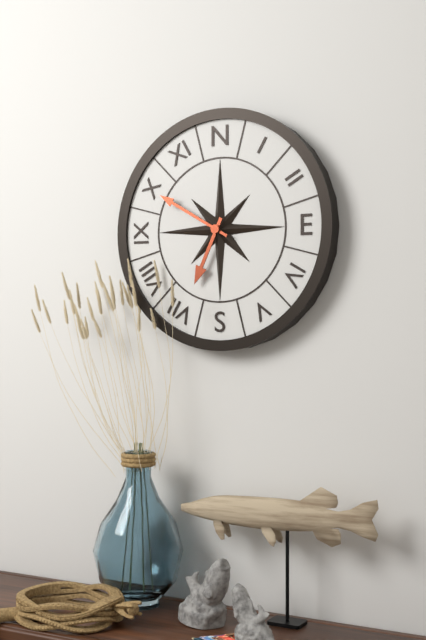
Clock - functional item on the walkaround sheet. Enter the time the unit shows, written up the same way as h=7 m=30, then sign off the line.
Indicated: h=6 m=50
